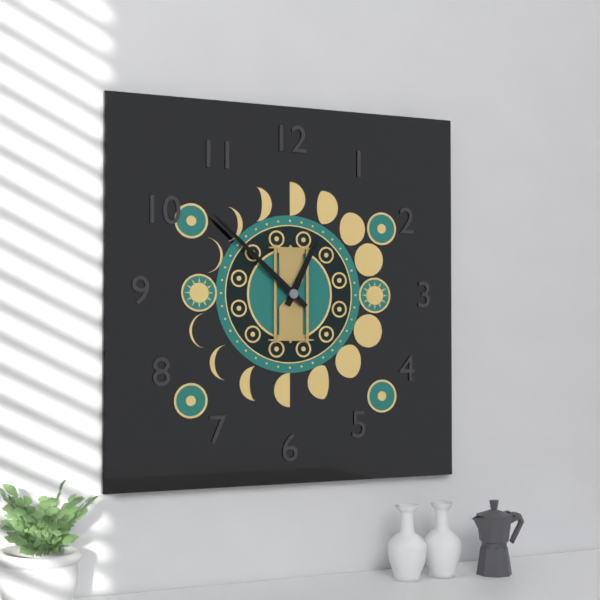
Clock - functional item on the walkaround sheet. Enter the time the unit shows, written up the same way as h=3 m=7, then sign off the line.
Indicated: h=12 m=52
